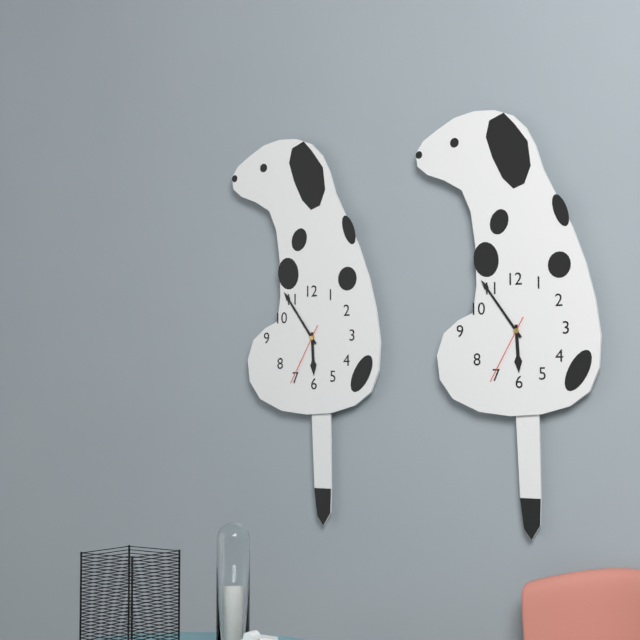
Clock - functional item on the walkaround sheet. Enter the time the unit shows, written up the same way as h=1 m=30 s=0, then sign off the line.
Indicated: h=5 m=54 s=35
